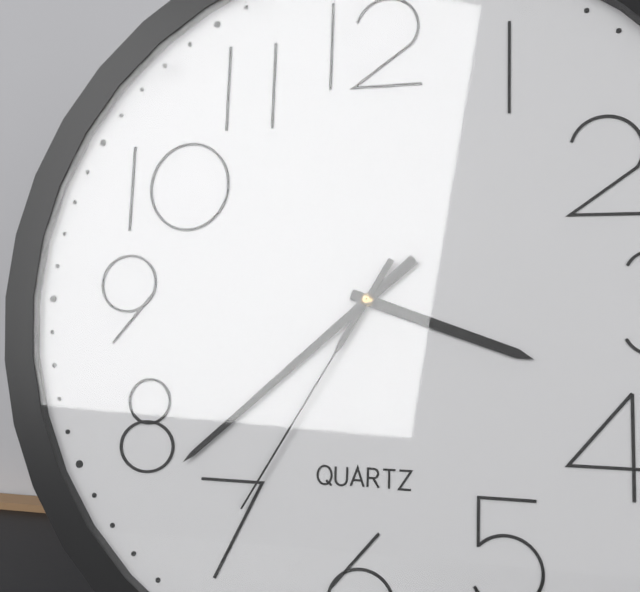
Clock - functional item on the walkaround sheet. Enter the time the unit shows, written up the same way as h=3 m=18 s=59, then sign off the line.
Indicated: h=3 m=38 s=35
